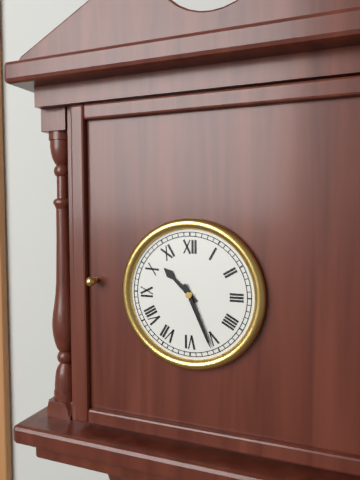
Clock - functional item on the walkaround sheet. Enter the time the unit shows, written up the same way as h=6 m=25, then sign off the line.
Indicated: h=10 m=26
